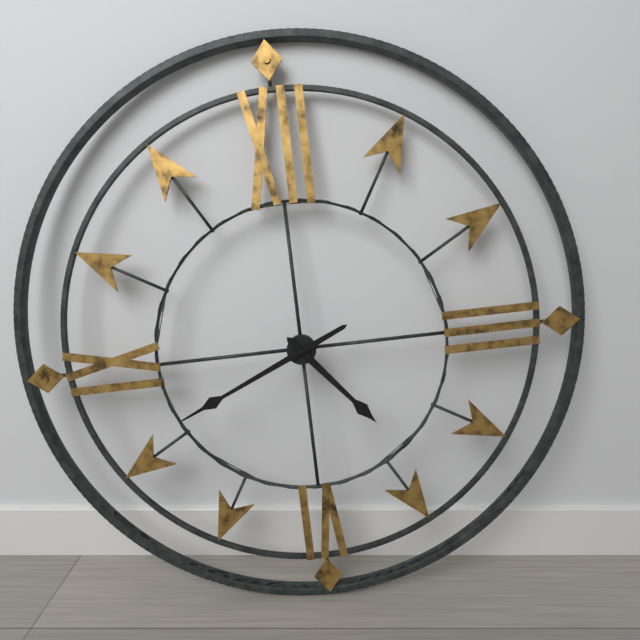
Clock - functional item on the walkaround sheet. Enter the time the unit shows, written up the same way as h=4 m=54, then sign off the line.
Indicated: h=4 m=41
